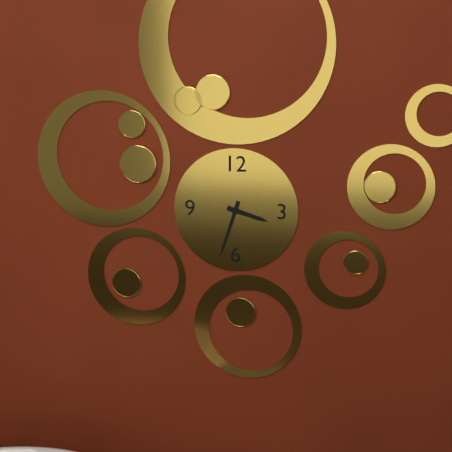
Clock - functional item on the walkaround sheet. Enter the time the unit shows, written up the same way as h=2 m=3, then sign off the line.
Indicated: h=3 m=33
